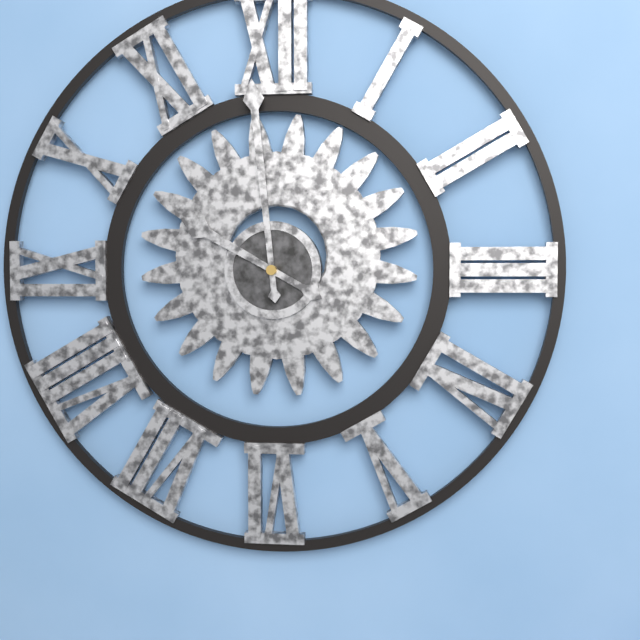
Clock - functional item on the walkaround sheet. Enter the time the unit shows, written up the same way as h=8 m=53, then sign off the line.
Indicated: h=9 m=59
